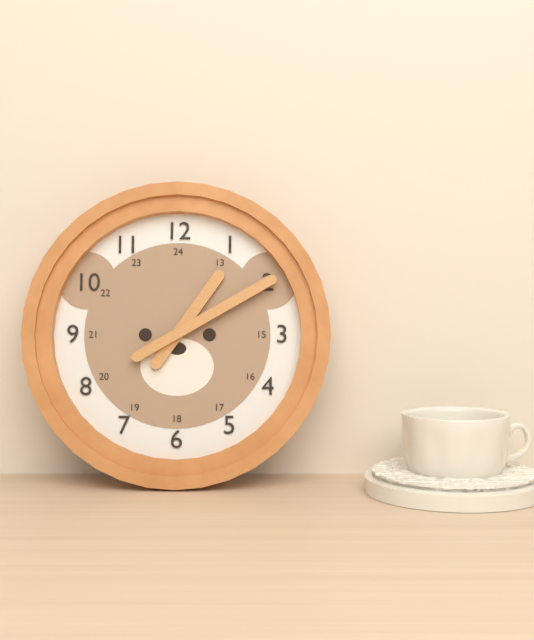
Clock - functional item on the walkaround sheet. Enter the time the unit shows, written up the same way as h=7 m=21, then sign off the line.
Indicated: h=1 m=10
